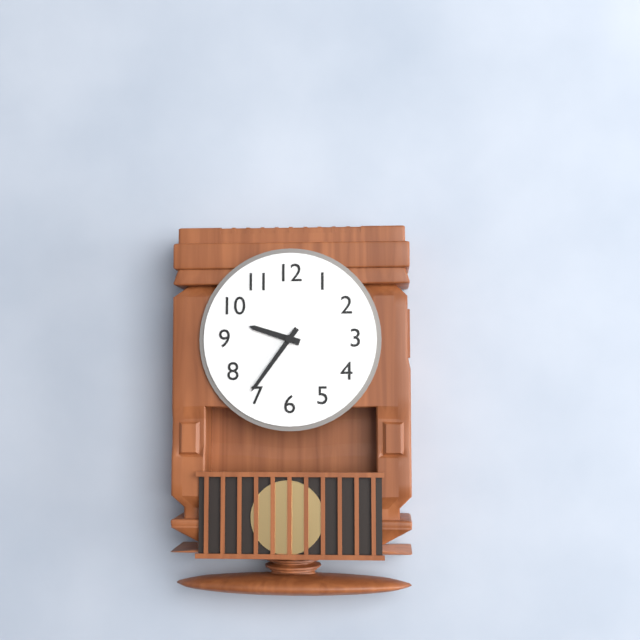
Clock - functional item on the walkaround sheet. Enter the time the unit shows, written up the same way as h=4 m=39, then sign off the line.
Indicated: h=9 m=36
